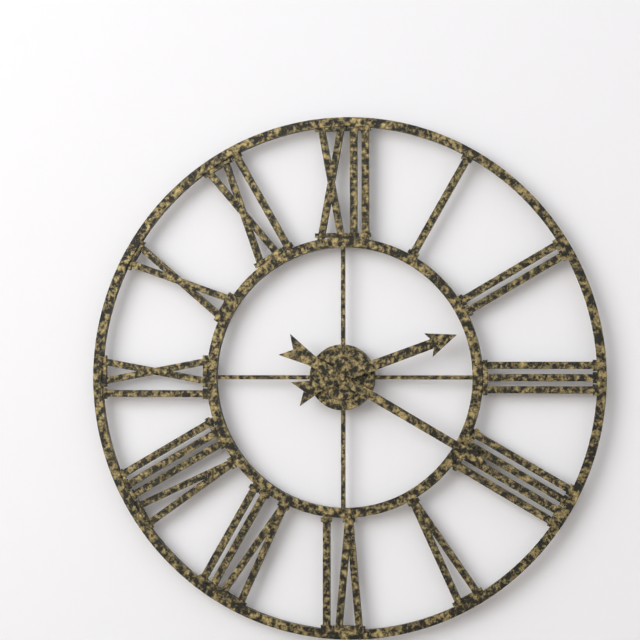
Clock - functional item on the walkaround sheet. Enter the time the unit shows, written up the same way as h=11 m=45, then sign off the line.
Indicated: h=2 m=20
